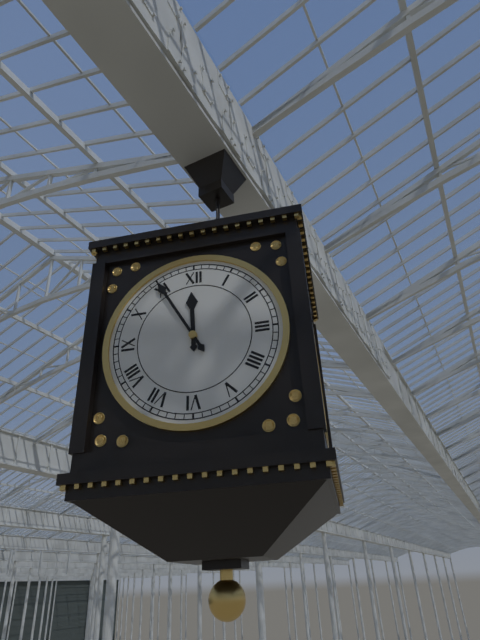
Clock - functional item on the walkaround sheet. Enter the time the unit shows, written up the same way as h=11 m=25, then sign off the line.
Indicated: h=11 m=55
